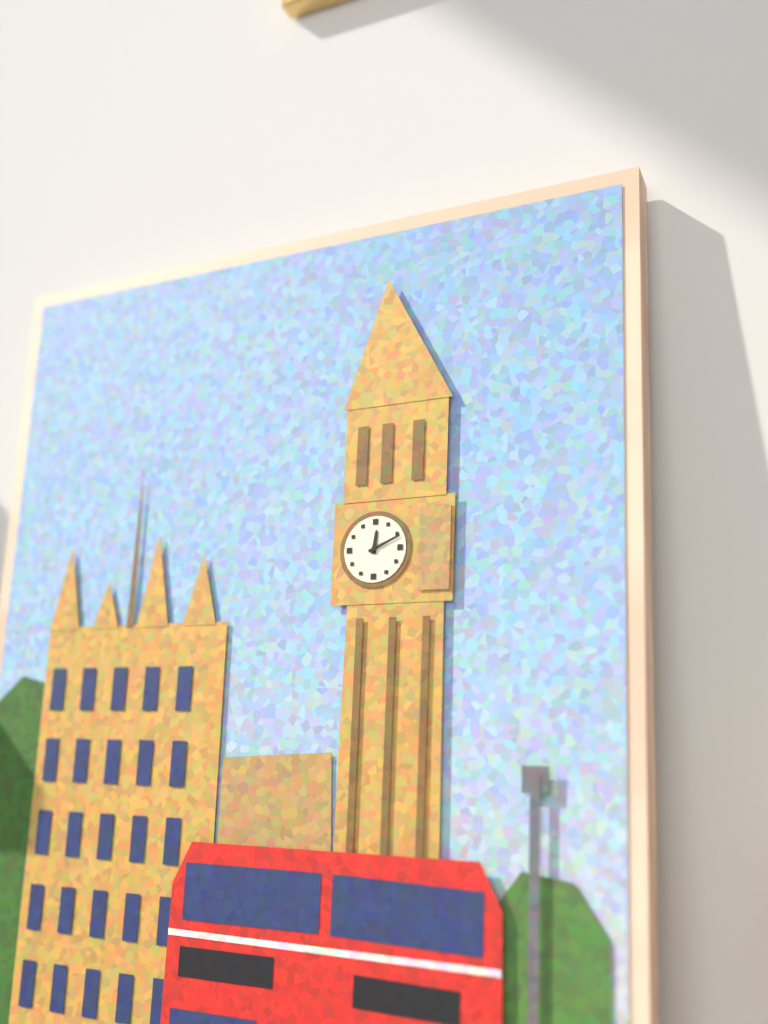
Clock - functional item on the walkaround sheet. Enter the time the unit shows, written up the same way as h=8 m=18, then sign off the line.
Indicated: h=12 m=11
